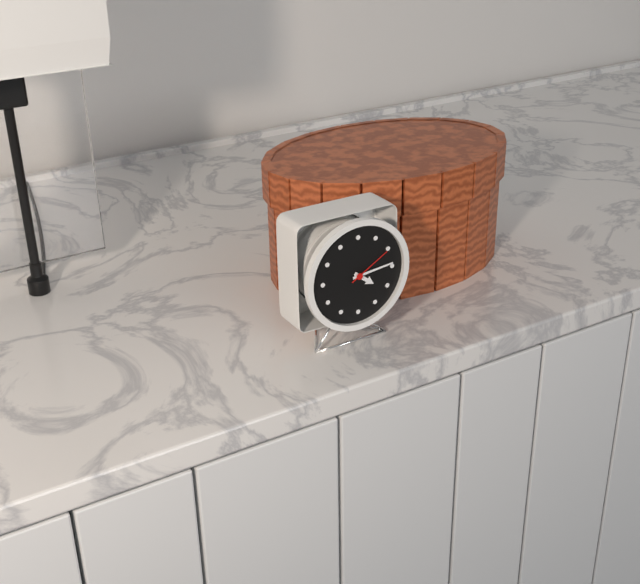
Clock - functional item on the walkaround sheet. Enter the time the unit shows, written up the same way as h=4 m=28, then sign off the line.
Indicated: h=4 m=14
